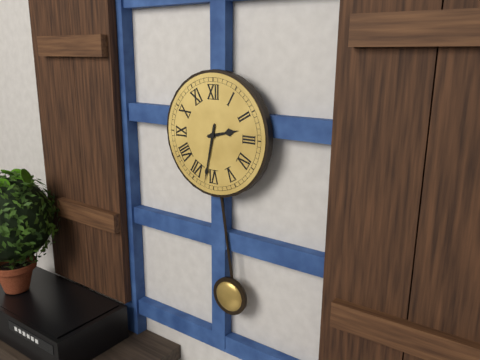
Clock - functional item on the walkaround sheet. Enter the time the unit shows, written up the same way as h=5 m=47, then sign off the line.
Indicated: h=2 m=32
